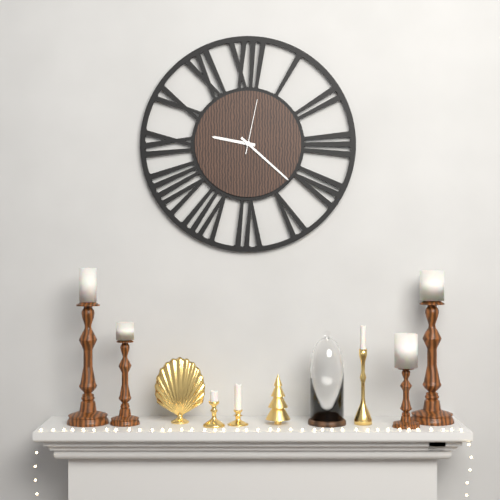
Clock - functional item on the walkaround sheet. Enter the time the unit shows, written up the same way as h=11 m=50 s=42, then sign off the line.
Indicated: h=9 m=22 s=2
